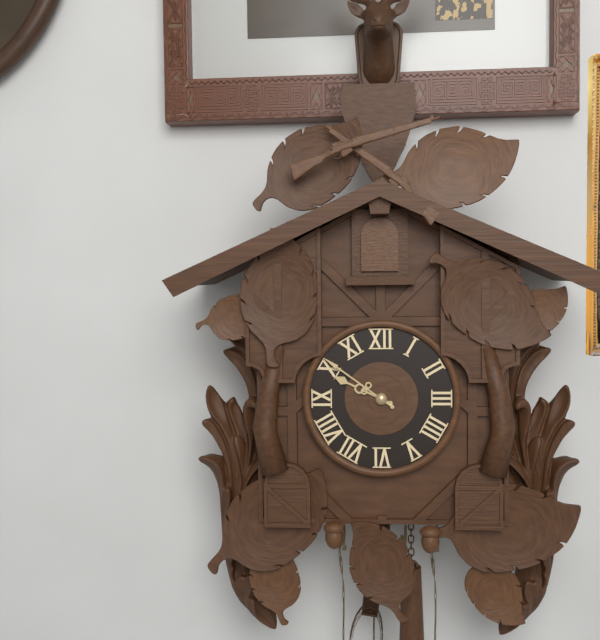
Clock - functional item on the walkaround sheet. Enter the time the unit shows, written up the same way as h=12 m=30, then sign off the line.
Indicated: h=9 m=51
